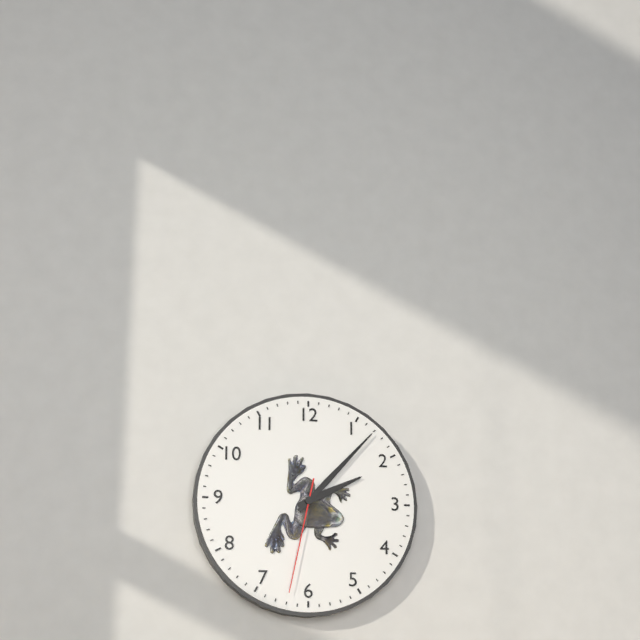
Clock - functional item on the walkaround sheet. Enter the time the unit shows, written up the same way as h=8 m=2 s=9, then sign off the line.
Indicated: h=2 m=7 s=32
